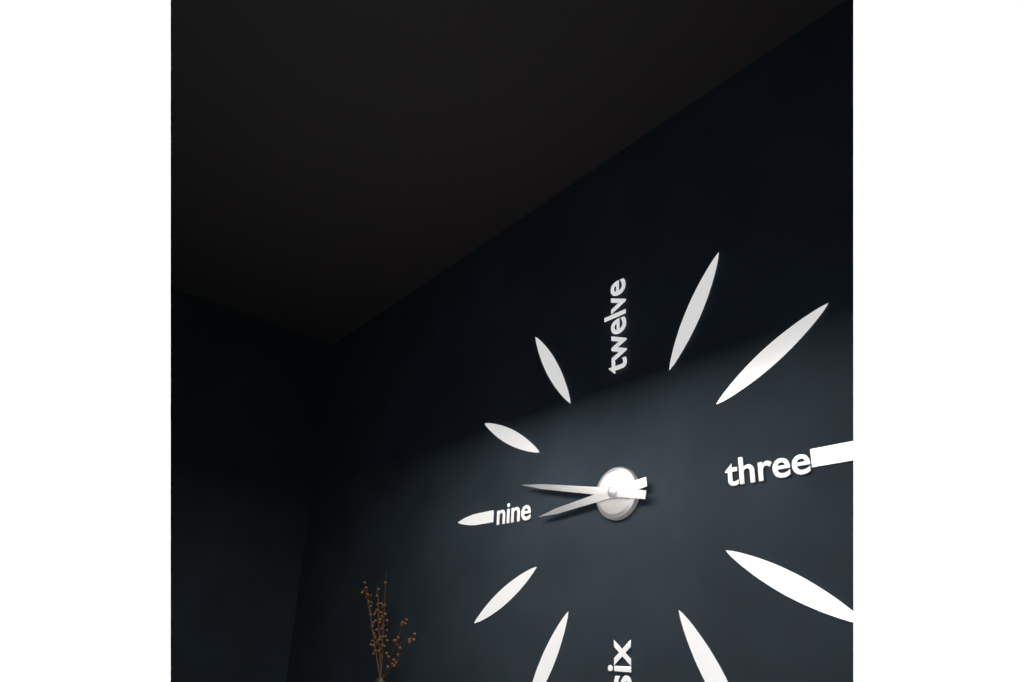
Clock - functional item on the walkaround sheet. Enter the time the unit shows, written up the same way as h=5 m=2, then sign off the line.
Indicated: h=8 m=47
